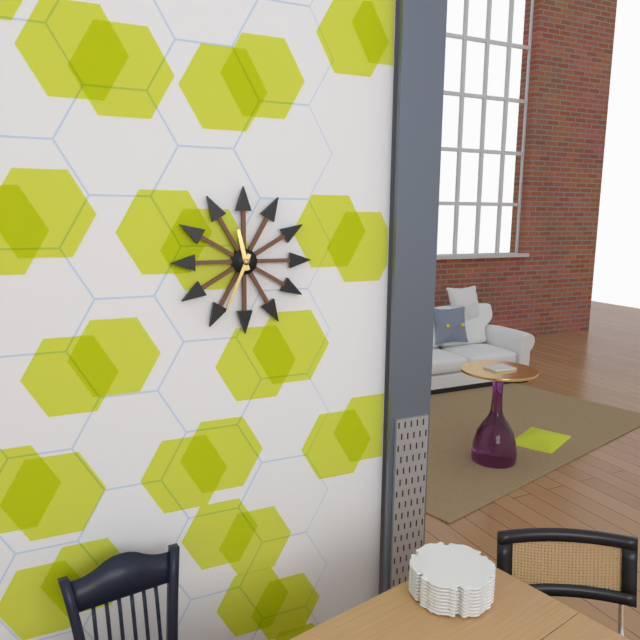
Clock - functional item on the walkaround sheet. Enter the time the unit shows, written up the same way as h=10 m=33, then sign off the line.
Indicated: h=11 m=34
